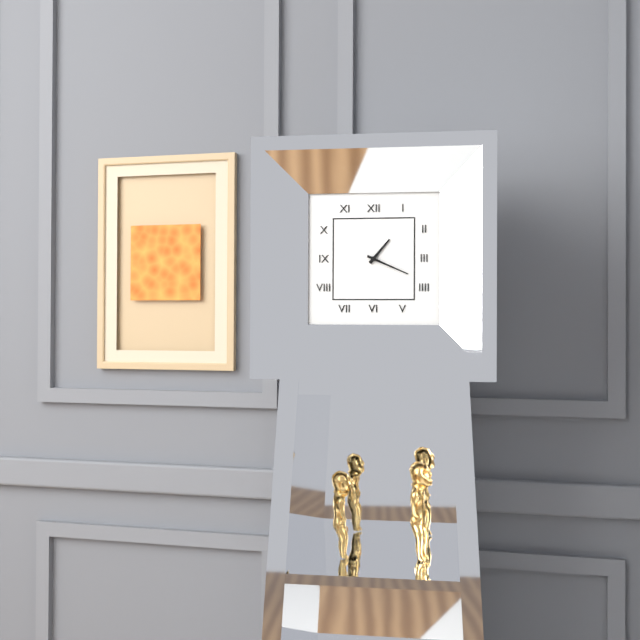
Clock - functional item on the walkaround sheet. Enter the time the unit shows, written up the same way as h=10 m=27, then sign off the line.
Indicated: h=1 m=19
